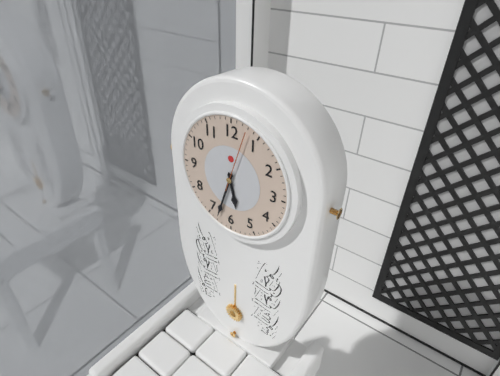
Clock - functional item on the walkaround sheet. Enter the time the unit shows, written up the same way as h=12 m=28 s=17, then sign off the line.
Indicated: h=5 m=33 s=3
